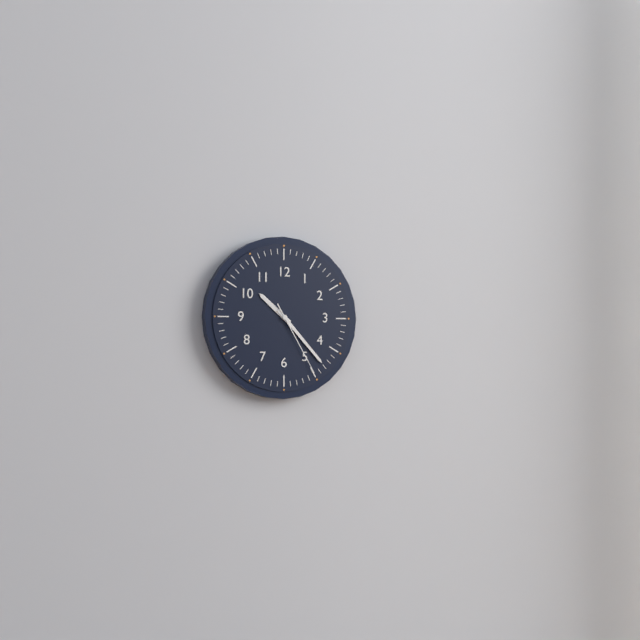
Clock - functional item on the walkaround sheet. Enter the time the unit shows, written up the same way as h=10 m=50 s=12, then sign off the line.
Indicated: h=10 m=23 s=25
